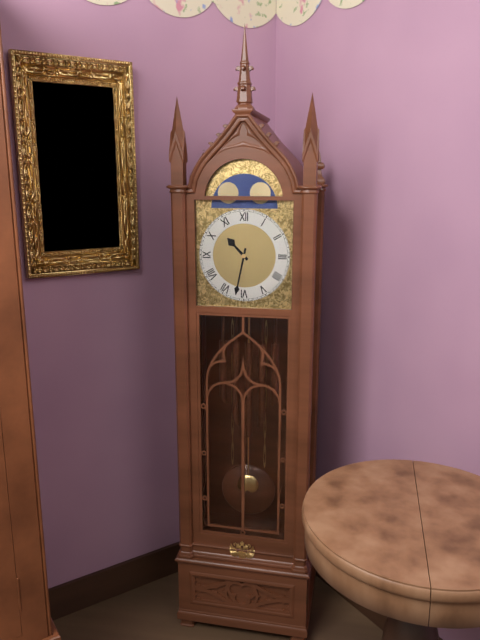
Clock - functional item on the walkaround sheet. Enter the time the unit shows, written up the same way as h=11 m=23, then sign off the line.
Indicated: h=10 m=32
